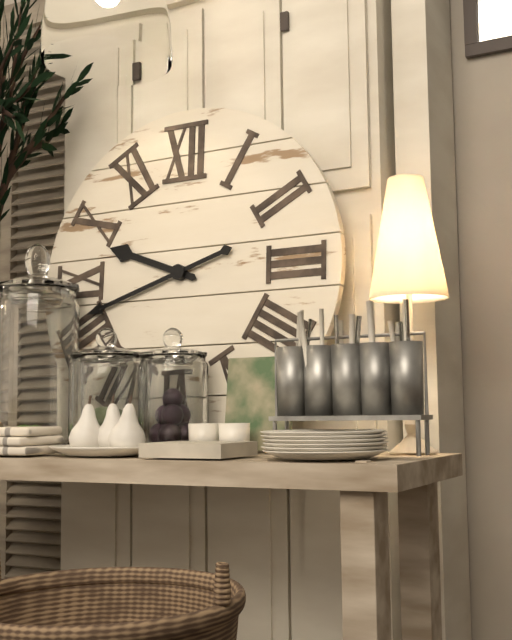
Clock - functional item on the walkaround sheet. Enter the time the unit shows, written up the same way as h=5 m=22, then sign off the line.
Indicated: h=9 m=42
